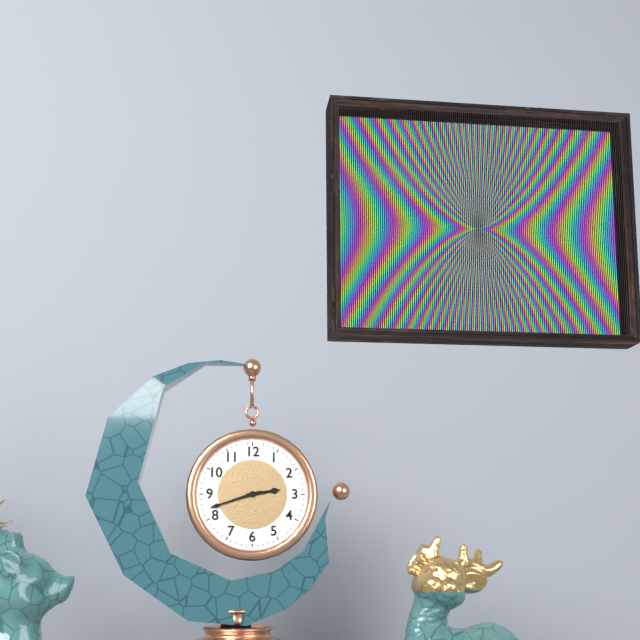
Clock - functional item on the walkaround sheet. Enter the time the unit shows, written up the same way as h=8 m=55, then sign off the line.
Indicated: h=2 m=42
